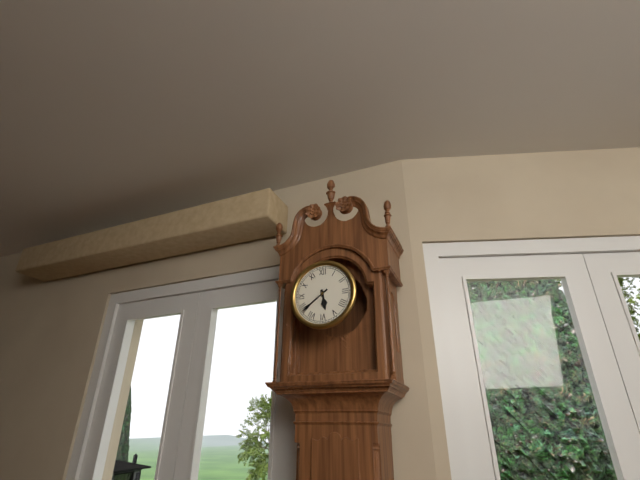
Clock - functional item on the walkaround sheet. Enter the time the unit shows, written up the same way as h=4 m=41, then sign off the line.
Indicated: h=5 m=39
